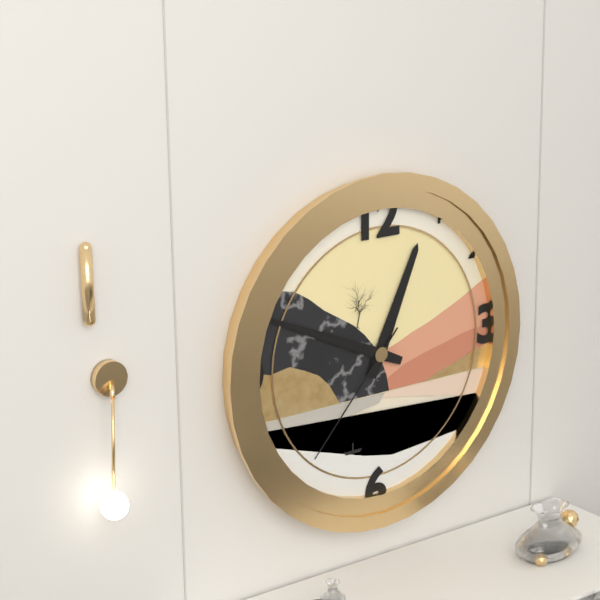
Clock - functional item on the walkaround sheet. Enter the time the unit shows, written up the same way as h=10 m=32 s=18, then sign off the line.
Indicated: h=12 m=49 s=37
